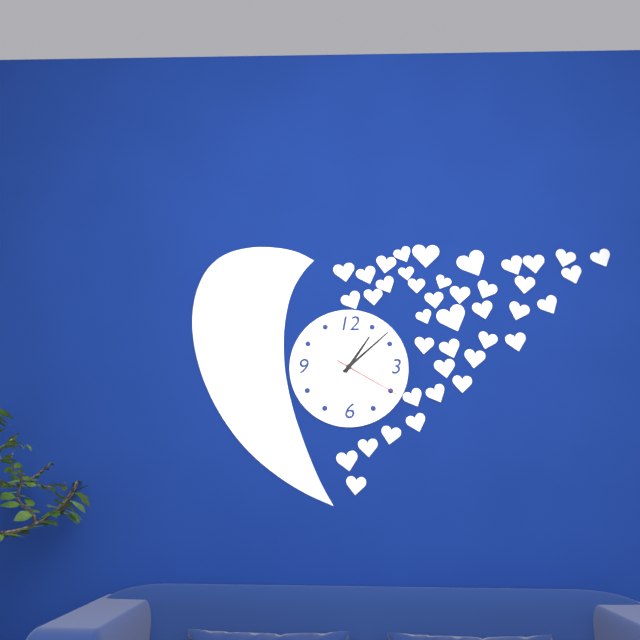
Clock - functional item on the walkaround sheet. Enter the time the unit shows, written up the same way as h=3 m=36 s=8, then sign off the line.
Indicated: h=1 m=8 s=20
